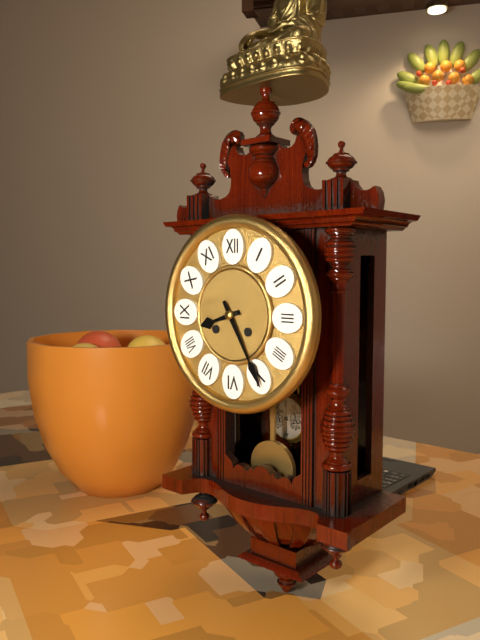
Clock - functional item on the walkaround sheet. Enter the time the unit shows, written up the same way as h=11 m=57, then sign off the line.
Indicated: h=8 m=25
